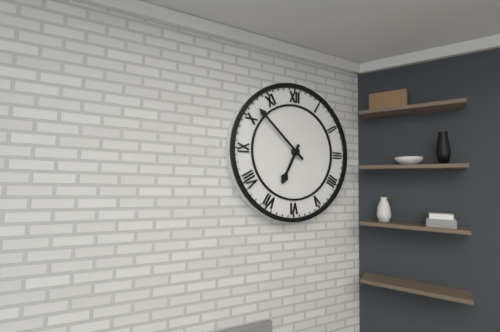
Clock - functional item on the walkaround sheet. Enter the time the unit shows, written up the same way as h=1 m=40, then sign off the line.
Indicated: h=6 m=52
